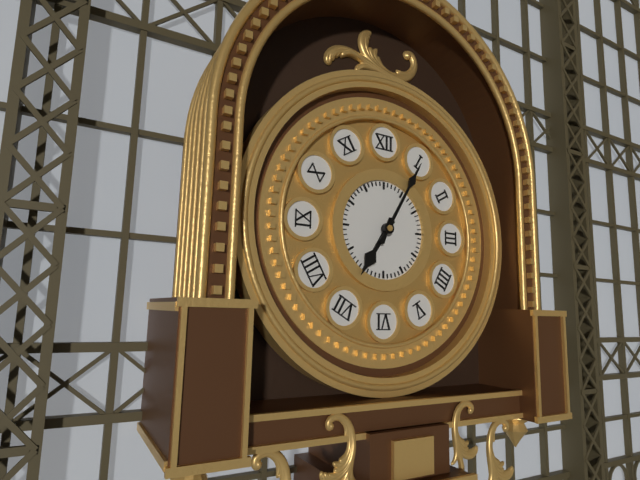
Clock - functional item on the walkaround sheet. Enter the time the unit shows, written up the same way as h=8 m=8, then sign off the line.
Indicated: h=7 m=5
